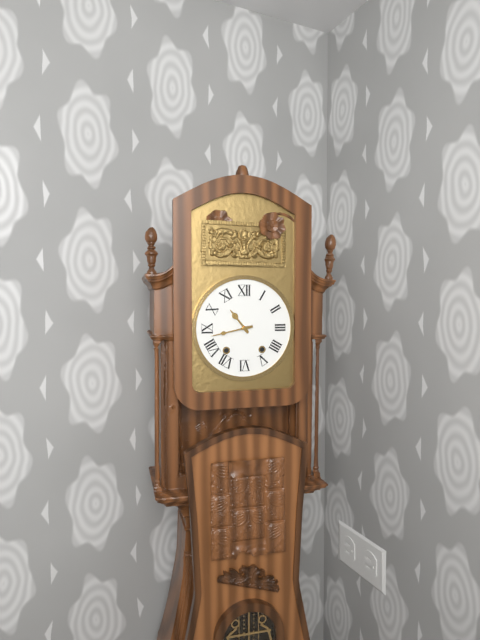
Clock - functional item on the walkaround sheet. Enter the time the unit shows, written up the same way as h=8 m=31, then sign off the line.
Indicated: h=10 m=43
